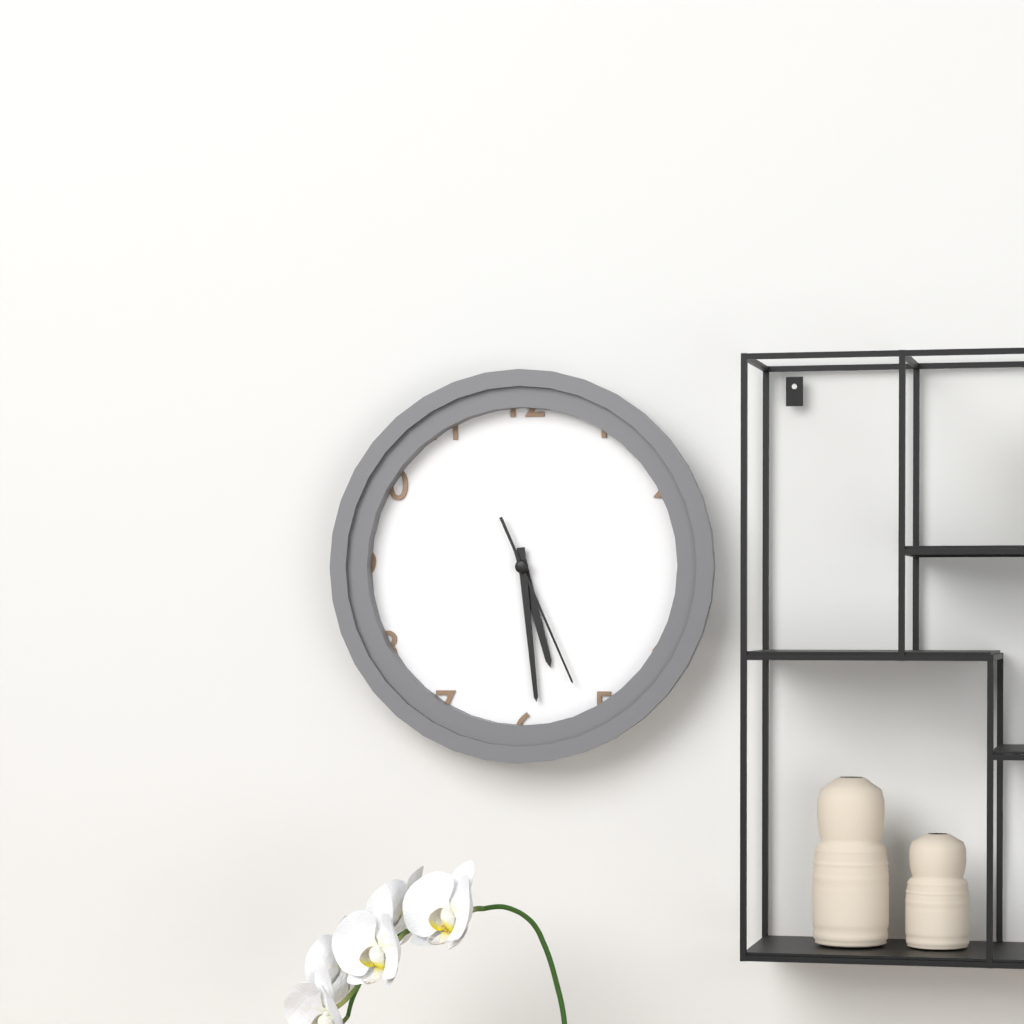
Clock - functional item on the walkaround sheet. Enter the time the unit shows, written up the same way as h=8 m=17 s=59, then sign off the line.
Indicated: h=5 m=29 s=26
